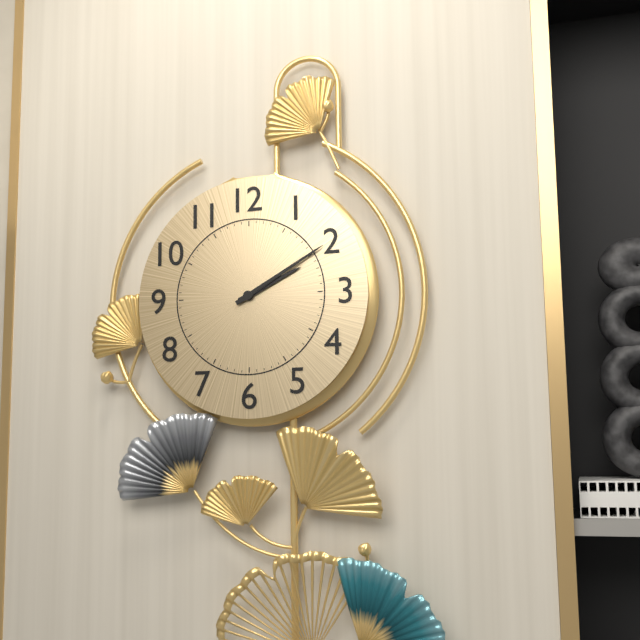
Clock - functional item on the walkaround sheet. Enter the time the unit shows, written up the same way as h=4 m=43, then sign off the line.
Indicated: h=2 m=10
